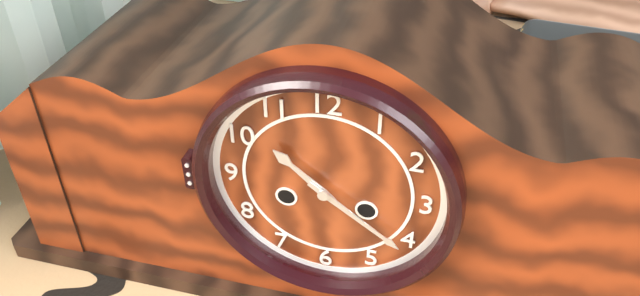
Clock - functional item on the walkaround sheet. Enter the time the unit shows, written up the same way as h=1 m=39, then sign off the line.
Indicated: h=10 m=21
